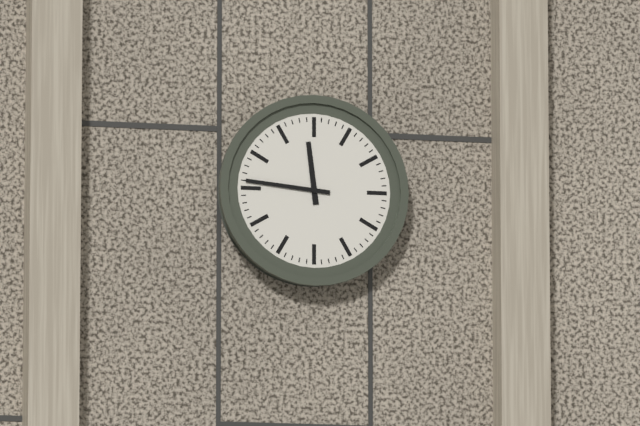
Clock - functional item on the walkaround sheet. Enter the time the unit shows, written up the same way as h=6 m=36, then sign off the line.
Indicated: h=11 m=46
